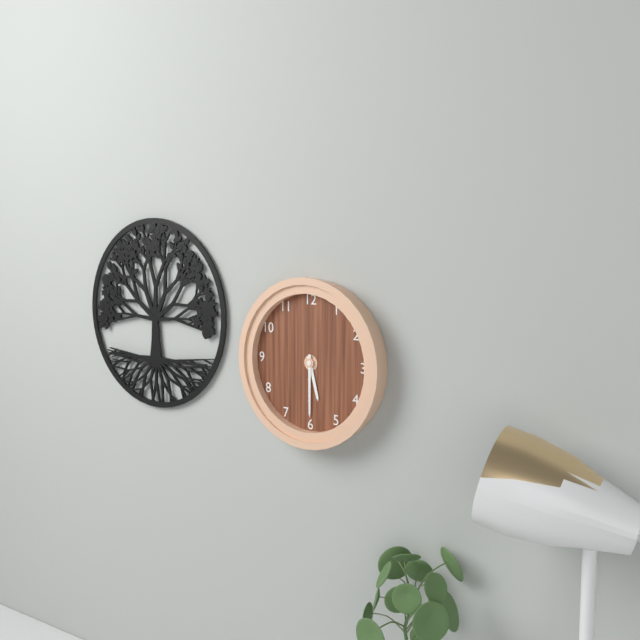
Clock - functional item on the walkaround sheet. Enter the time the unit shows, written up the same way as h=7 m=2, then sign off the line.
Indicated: h=5 m=30
